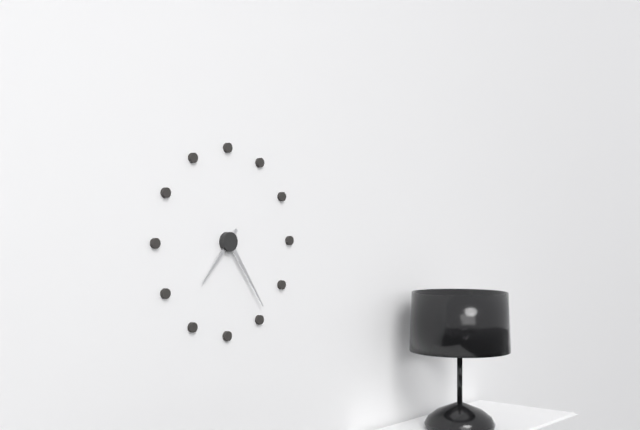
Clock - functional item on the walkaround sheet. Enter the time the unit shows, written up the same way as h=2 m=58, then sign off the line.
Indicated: h=7 m=24
